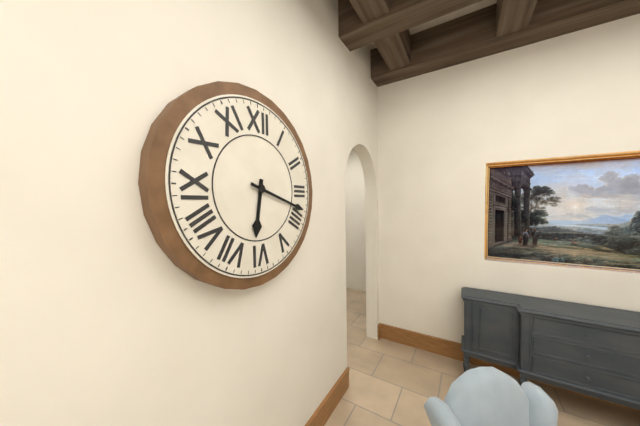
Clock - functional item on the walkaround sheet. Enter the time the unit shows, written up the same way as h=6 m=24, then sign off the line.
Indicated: h=6 m=18
